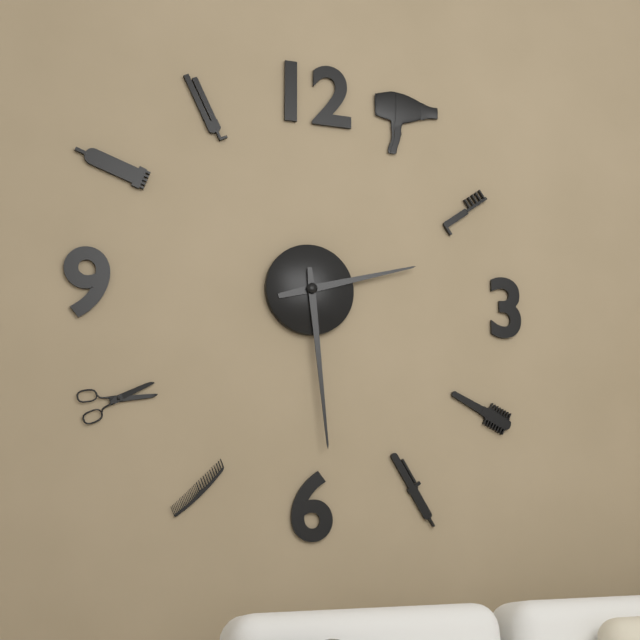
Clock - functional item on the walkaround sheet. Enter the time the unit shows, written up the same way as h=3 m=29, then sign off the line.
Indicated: h=2 m=29
